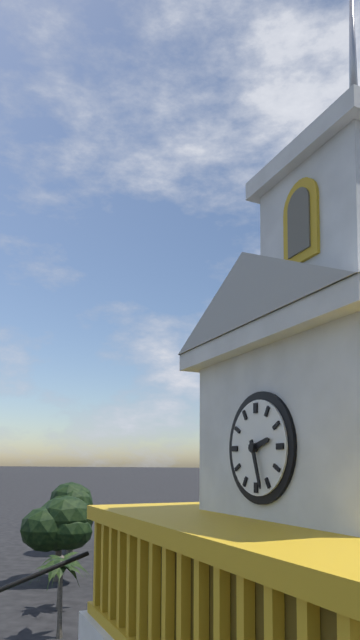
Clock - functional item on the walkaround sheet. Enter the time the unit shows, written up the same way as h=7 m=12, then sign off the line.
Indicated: h=2 m=27
